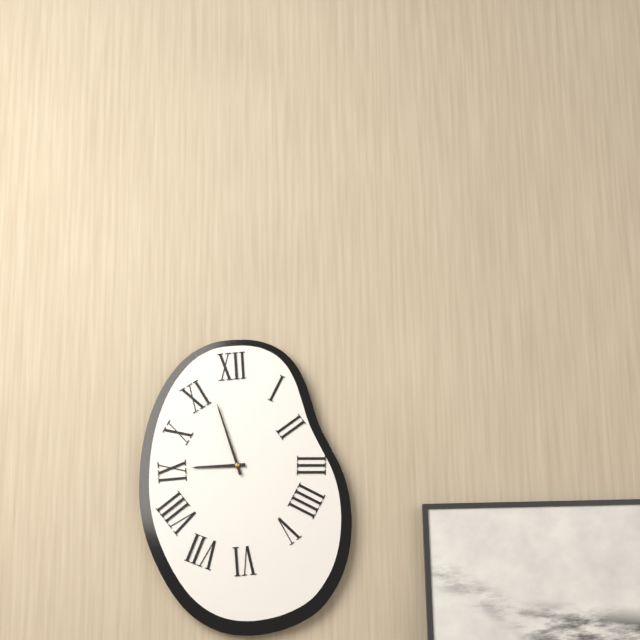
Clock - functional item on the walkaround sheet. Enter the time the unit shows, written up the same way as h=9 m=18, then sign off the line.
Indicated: h=8 m=57
